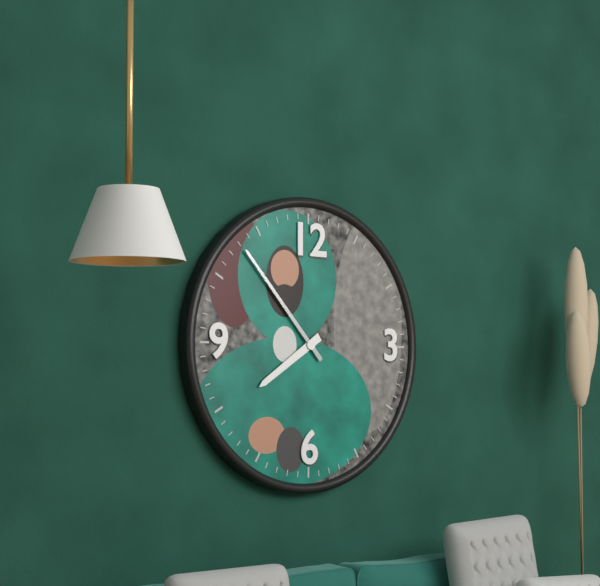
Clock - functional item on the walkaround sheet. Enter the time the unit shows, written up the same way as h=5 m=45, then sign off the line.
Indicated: h=7 m=53
